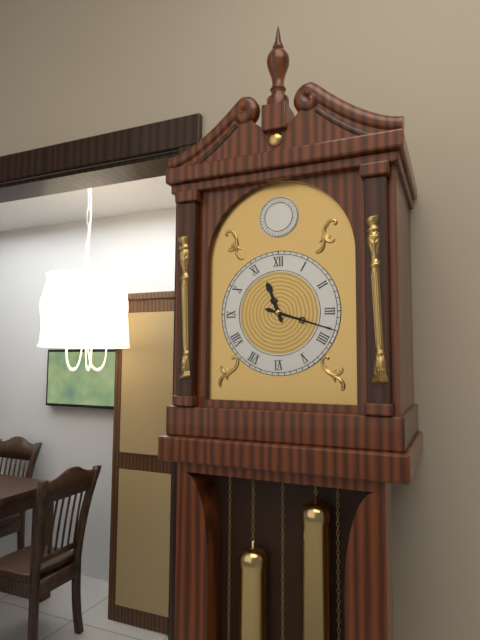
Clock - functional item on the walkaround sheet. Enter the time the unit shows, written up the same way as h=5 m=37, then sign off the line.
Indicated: h=11 m=18
